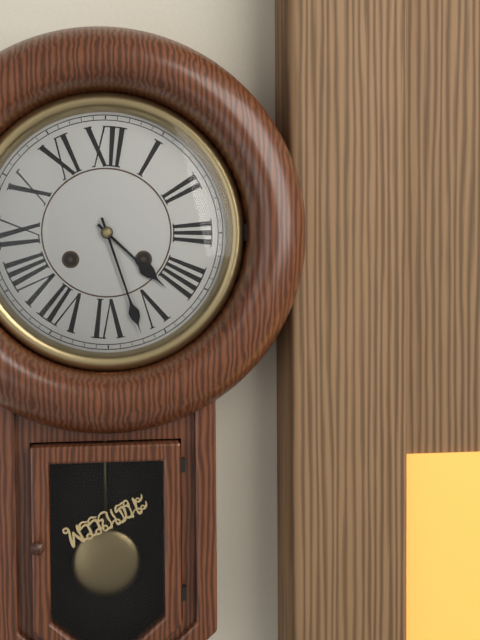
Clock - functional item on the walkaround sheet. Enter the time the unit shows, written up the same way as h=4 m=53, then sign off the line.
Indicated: h=4 m=27
